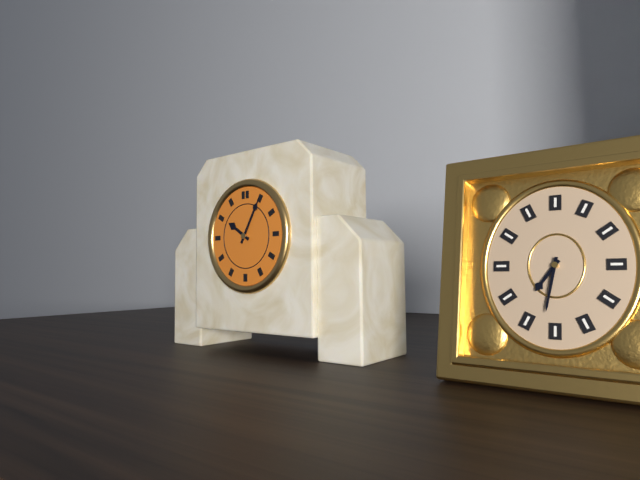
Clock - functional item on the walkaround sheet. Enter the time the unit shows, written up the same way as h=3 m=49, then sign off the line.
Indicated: h=10 m=5
